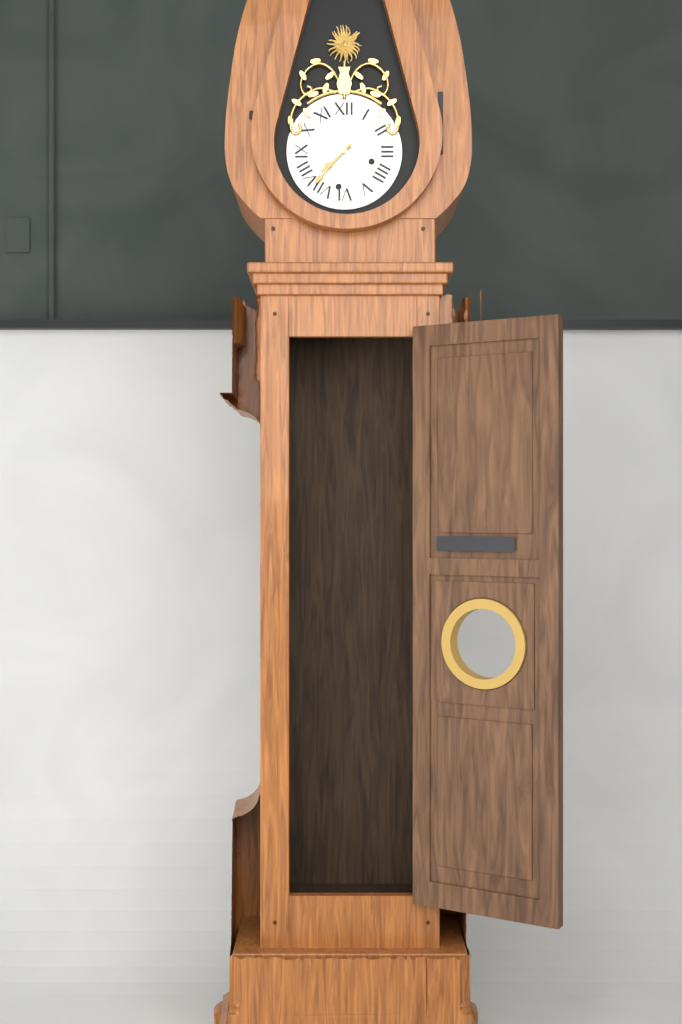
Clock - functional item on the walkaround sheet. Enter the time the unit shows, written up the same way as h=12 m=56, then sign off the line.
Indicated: h=7 m=37
